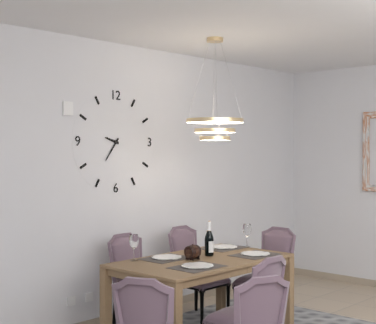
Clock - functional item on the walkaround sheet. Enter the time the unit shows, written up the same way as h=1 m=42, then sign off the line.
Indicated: h=9 m=36
